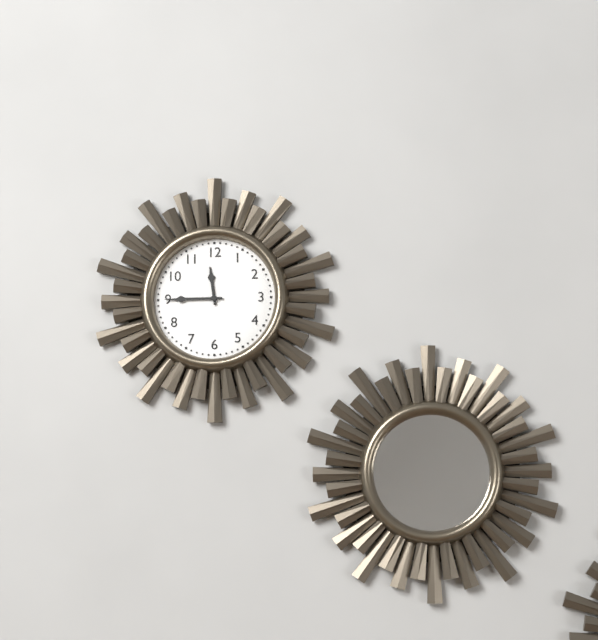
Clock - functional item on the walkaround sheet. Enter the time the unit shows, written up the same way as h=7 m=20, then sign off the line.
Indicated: h=11 m=45
